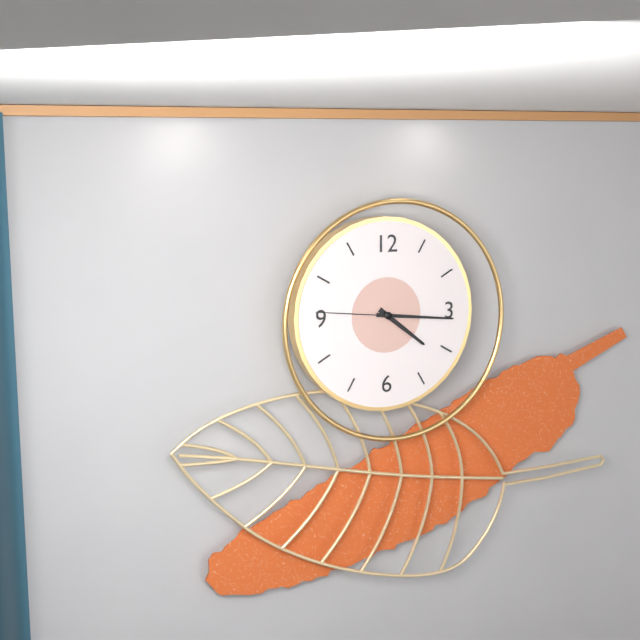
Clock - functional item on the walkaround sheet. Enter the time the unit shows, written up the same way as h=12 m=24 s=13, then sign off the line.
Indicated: h=4 m=16 s=46
